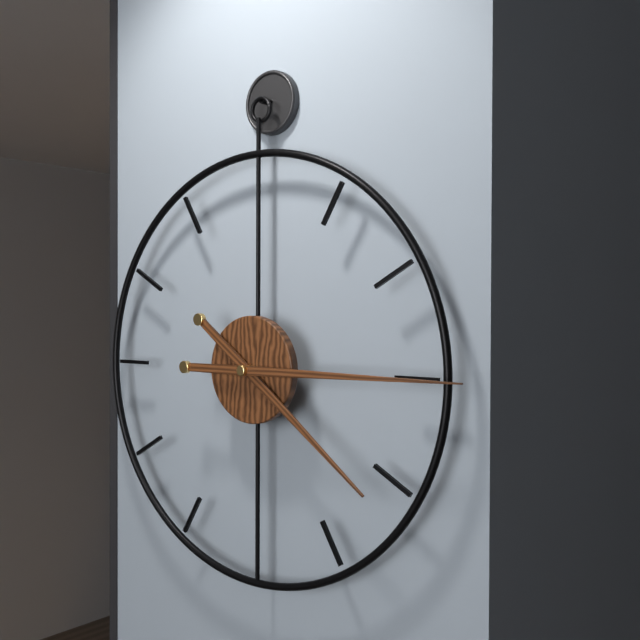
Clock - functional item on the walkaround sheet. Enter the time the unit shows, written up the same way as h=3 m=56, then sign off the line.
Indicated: h=4 m=15
